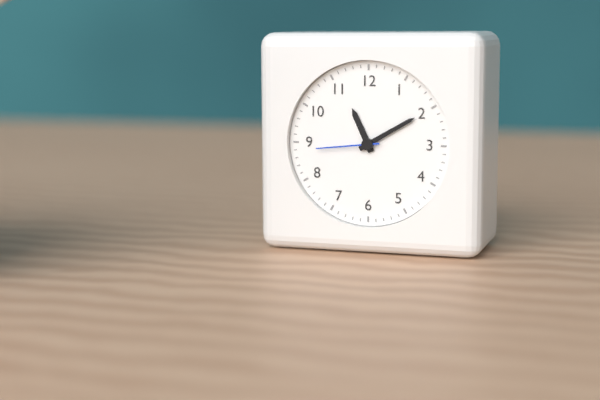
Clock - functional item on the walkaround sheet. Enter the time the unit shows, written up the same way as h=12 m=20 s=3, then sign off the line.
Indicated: h=11 m=10 s=44
